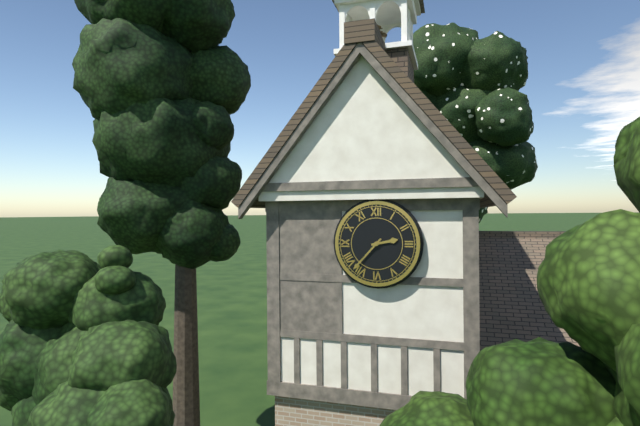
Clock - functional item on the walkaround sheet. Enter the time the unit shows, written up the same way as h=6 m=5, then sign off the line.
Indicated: h=2 m=37
